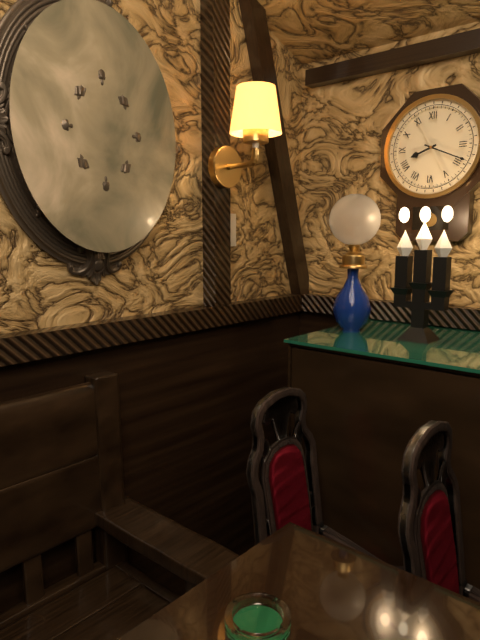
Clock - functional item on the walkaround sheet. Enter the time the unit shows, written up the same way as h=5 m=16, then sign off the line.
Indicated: h=8 m=19
